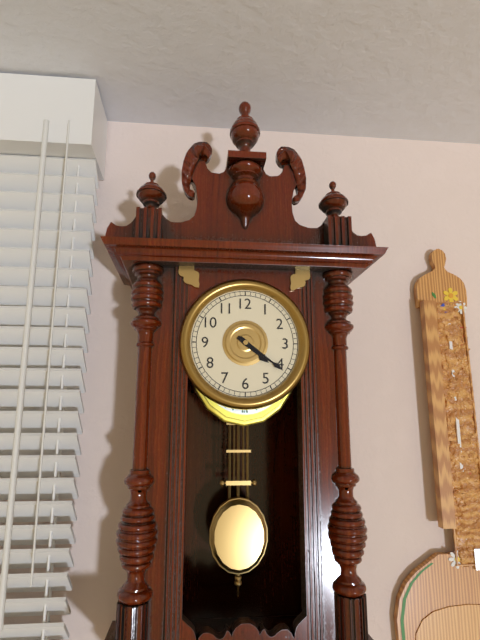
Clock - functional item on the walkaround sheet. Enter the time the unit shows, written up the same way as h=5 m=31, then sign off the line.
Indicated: h=4 m=21
